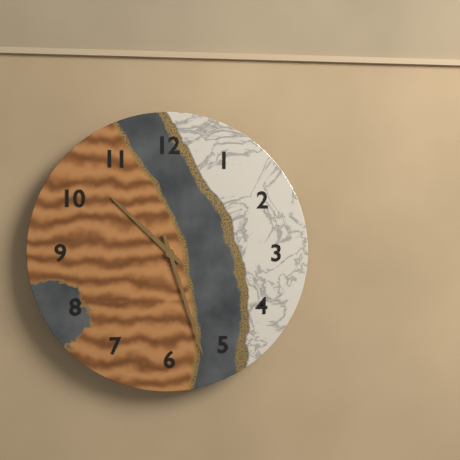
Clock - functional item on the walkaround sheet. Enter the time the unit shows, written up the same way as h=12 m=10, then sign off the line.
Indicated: h=10 m=27
